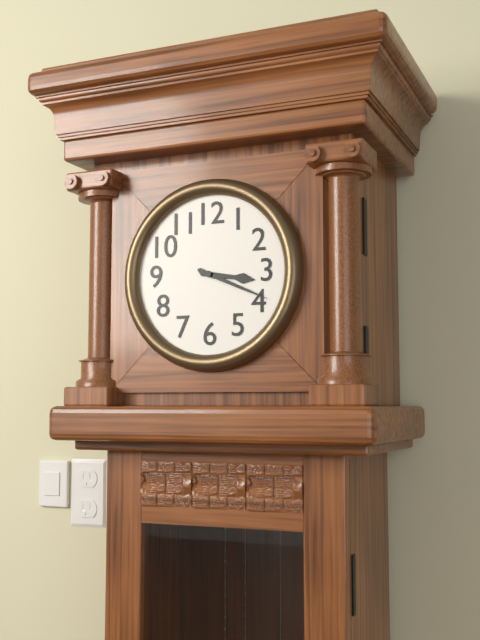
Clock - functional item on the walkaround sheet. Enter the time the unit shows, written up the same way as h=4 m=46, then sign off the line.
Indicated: h=3 m=19
